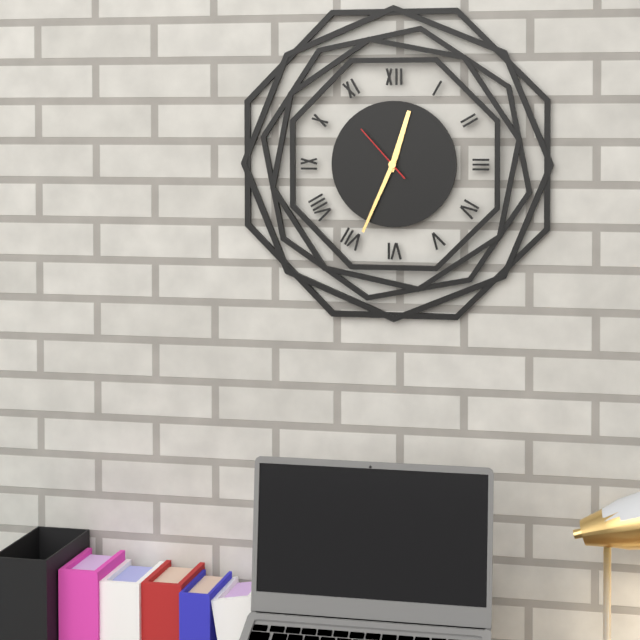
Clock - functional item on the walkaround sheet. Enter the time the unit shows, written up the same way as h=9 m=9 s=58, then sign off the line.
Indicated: h=12 m=34 s=53
